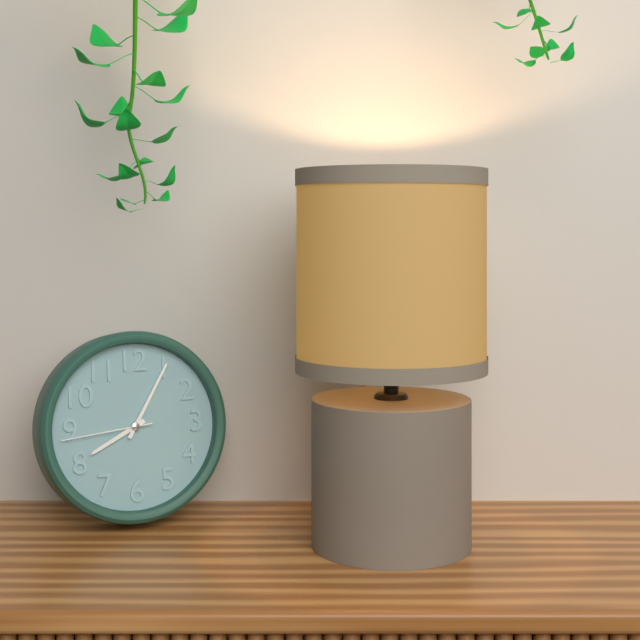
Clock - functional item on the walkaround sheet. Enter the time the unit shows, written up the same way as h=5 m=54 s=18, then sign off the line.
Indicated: h=8 m=5 s=44
